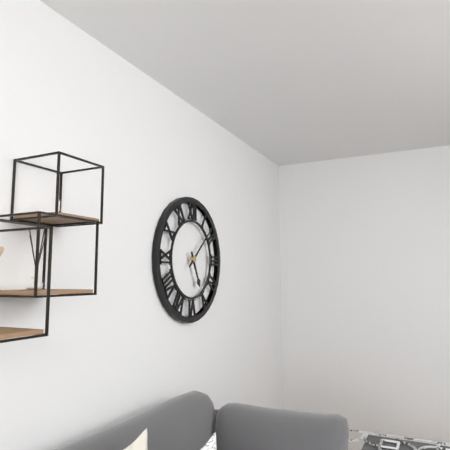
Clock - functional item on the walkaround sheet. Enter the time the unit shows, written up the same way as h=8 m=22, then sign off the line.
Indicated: h=5 m=8
